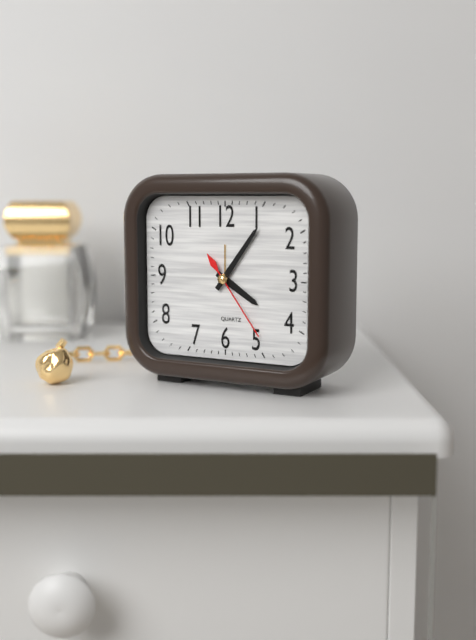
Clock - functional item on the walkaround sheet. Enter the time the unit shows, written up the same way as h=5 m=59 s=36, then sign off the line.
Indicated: h=4 m=6 s=24
